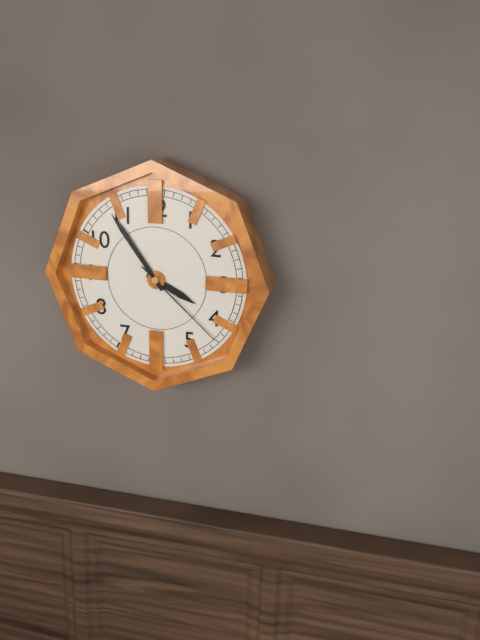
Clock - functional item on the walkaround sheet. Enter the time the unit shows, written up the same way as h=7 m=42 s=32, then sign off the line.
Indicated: h=3 m=54 s=22
